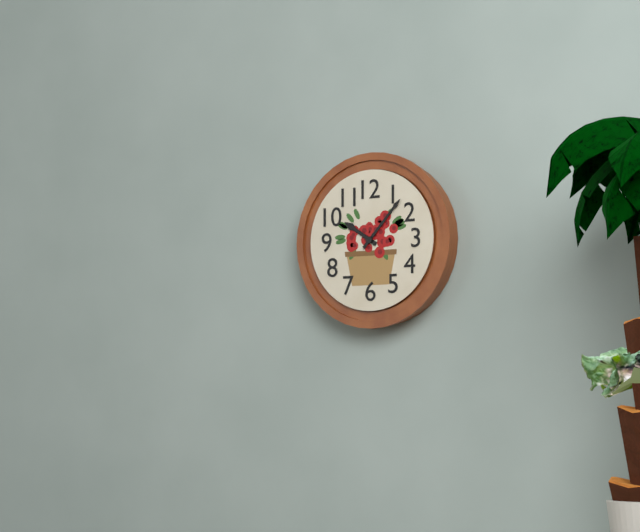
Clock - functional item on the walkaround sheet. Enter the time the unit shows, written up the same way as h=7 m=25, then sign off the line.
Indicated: h=10 m=7
